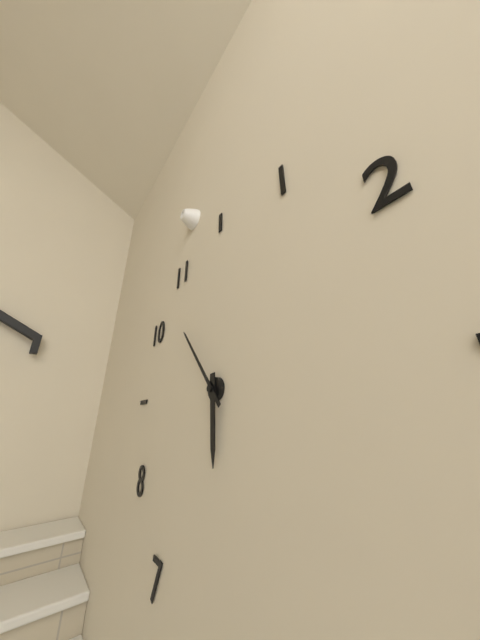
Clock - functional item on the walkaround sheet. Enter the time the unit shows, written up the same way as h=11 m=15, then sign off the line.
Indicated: h=5 m=53
